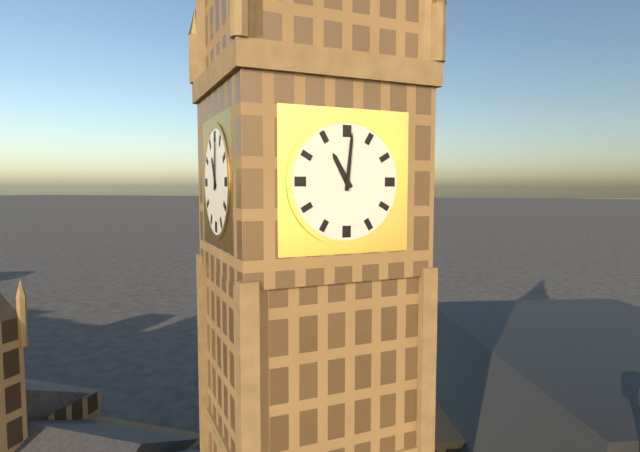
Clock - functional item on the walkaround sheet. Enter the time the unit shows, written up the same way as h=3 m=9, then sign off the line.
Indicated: h=11 m=1
